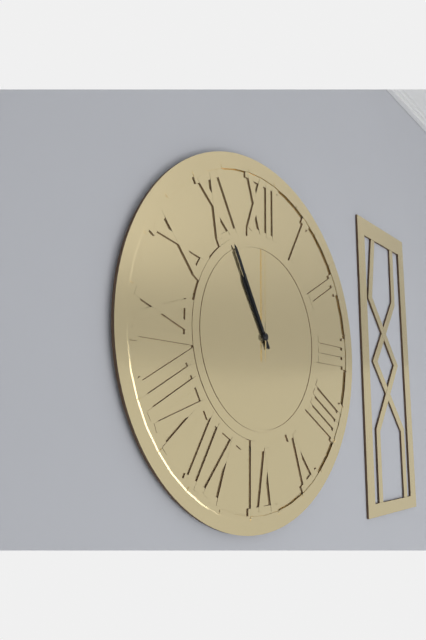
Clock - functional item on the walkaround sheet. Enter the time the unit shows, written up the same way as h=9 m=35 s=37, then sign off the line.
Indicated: h=10 m=55 s=0
